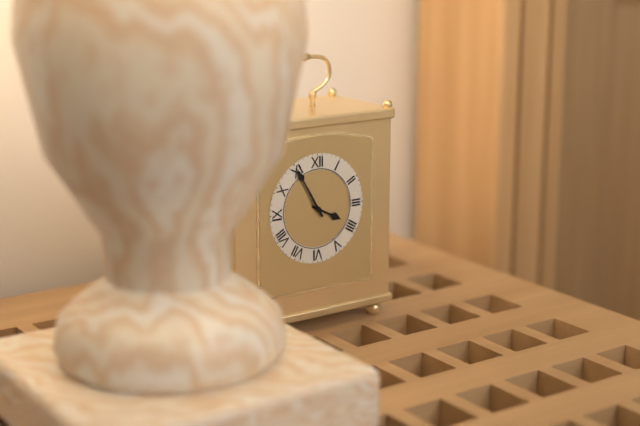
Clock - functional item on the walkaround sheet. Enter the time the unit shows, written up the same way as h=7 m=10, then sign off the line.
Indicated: h=3 m=55
